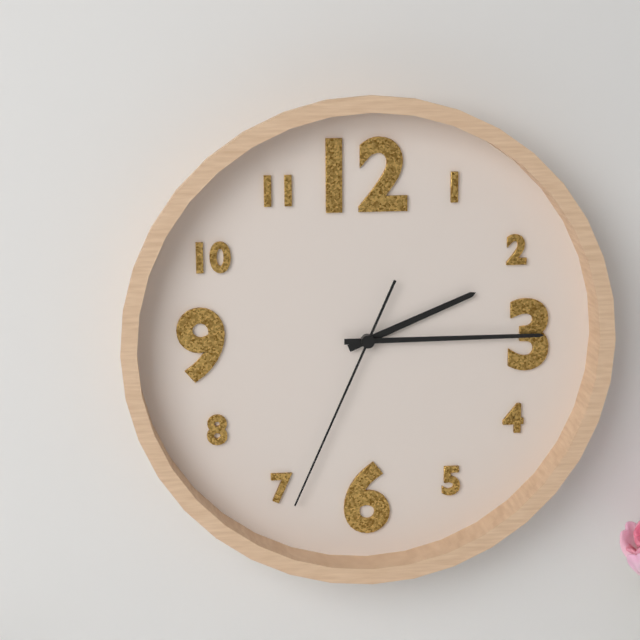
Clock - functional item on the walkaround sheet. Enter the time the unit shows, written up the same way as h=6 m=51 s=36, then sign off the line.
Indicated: h=2 m=15 s=34
